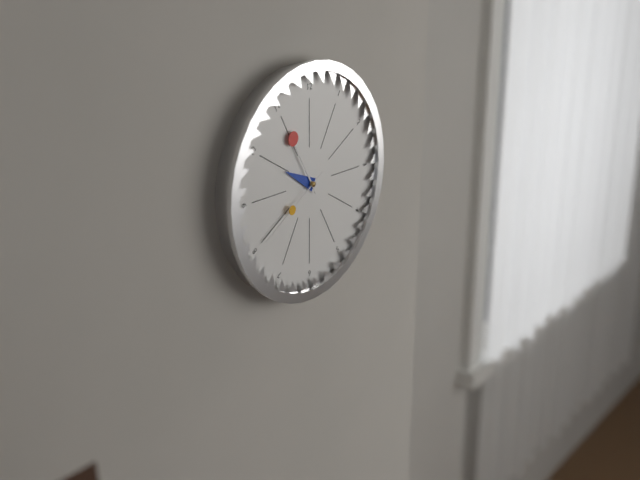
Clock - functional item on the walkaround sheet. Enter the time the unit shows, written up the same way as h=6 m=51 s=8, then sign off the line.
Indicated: h=9 m=55 s=40
